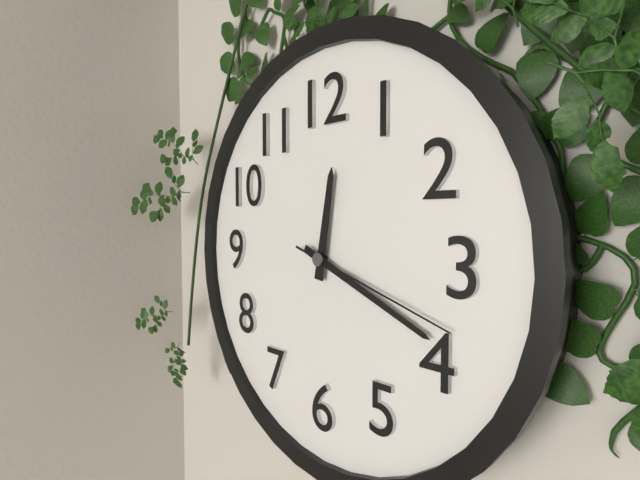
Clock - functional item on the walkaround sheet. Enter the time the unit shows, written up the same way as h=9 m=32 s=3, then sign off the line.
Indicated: h=12 m=19 s=18
